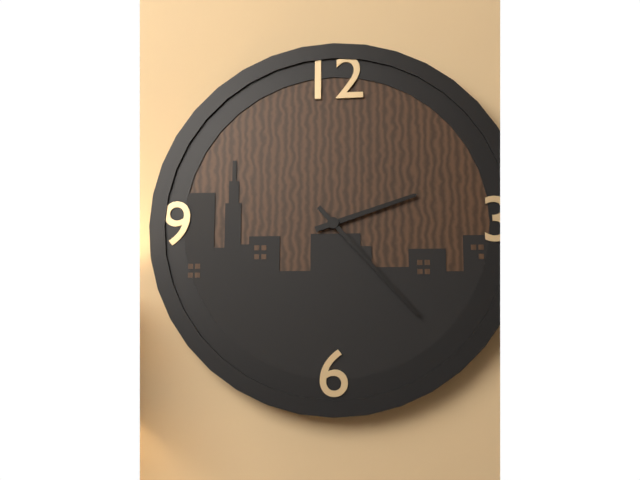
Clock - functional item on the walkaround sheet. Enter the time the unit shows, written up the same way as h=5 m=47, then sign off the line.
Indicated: h=2 m=23
